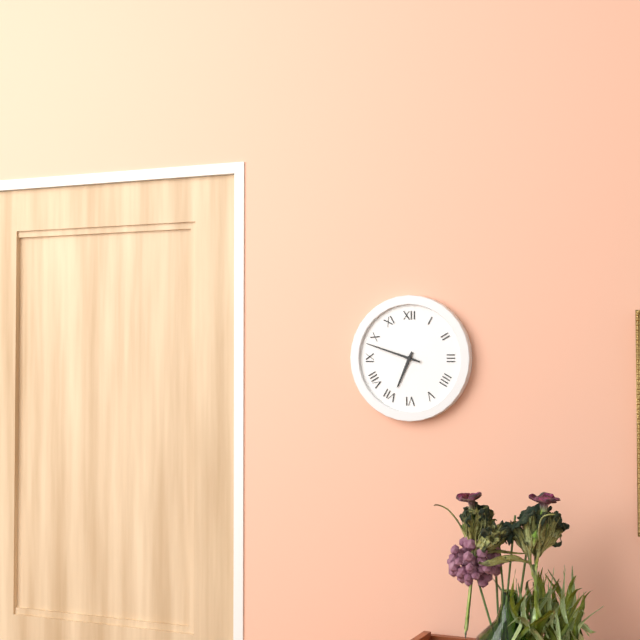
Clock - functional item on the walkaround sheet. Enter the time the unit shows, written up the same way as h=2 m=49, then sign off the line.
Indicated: h=6 m=48
